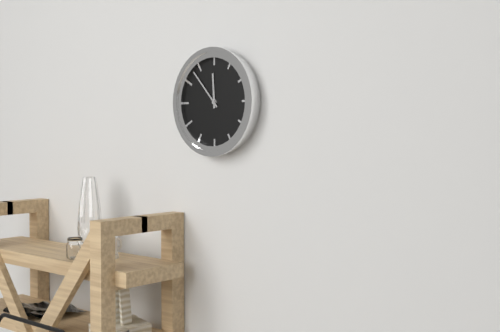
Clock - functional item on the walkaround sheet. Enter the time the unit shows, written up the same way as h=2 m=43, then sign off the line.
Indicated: h=11 m=53
